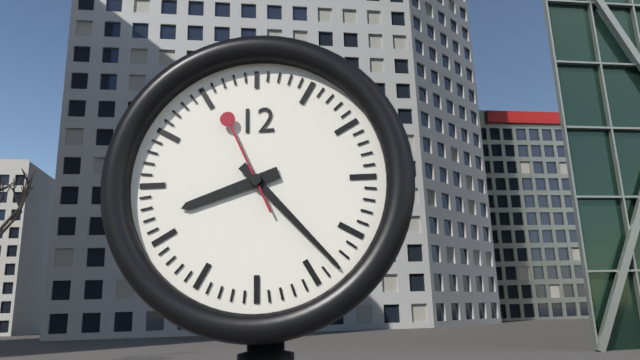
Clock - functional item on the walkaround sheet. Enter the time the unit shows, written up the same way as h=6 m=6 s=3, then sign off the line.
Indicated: h=8 m=23 s=56
